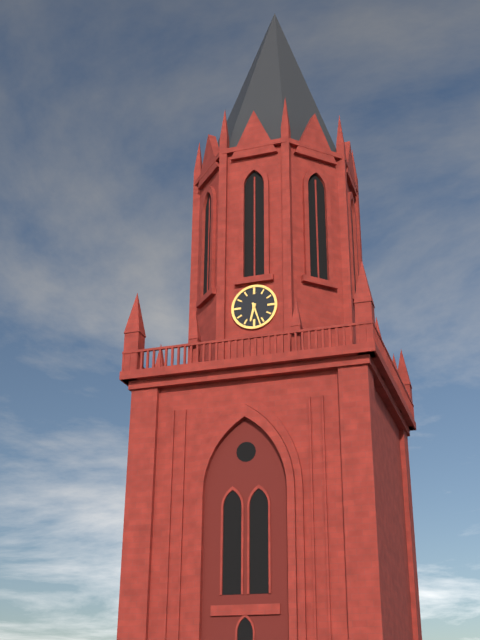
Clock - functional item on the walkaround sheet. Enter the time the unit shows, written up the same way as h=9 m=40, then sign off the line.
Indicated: h=6 m=27
